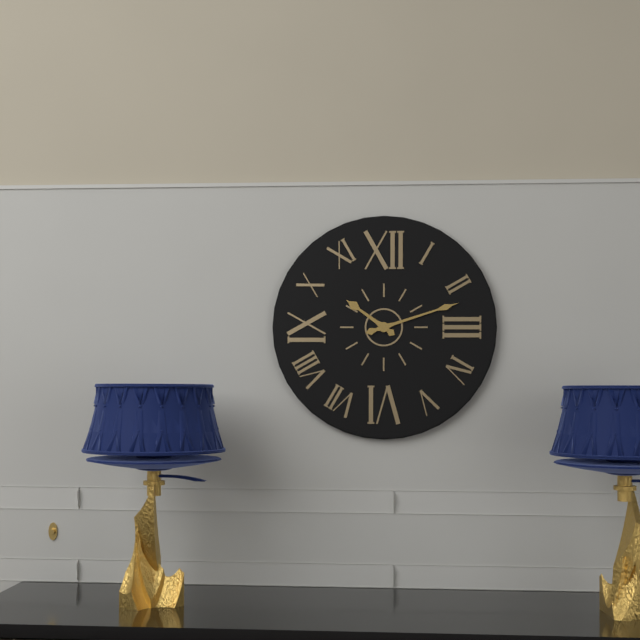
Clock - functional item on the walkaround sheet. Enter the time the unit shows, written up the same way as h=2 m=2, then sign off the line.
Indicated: h=10 m=12
